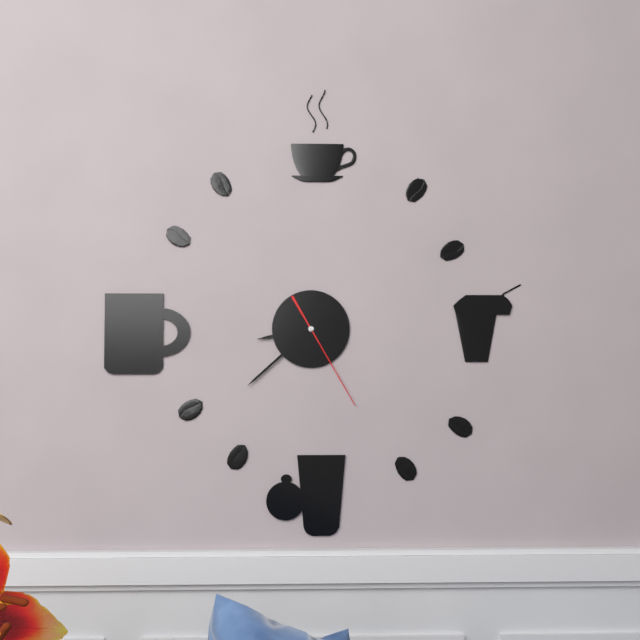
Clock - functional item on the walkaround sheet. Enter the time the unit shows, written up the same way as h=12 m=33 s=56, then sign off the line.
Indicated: h=8 m=38 s=25
